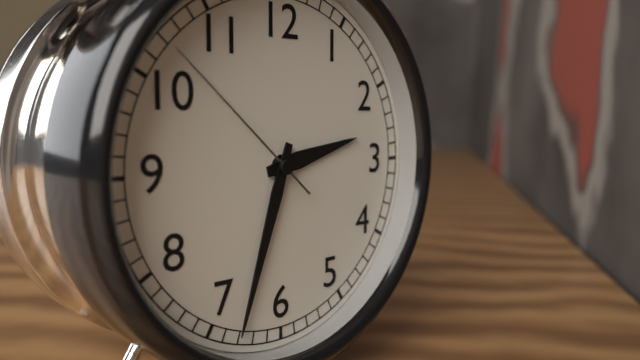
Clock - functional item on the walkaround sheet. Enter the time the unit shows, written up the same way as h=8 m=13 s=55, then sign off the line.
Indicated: h=2 m=33 s=52
